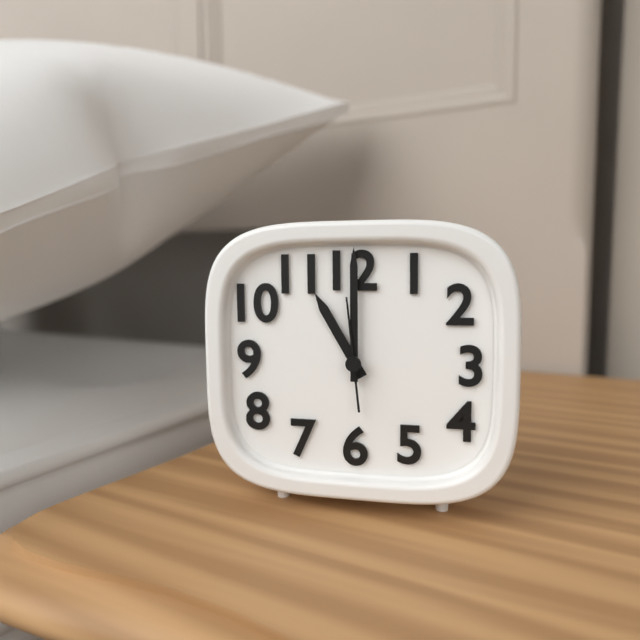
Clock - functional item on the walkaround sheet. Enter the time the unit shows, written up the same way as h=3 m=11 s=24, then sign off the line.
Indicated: h=11 m=0 s=59
